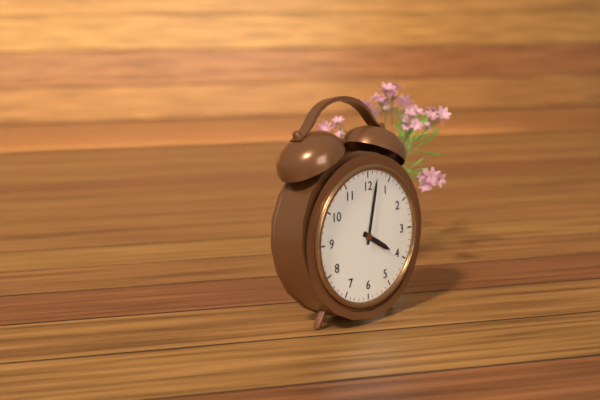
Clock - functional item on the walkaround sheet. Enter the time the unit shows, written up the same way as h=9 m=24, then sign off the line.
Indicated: h=4 m=2
